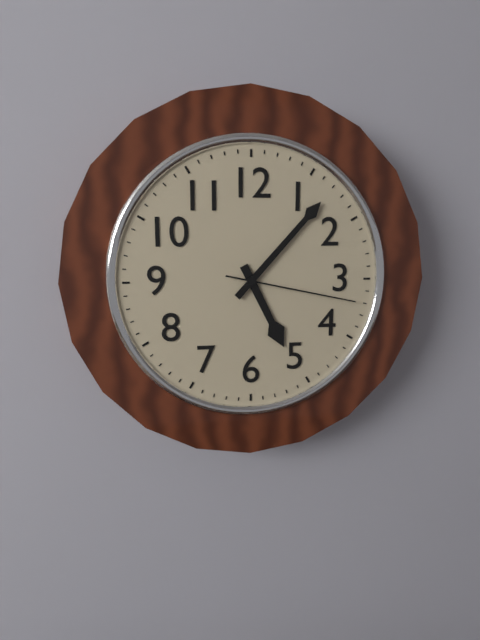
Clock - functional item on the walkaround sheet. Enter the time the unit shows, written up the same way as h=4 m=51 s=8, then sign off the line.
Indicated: h=5 m=7 s=17
